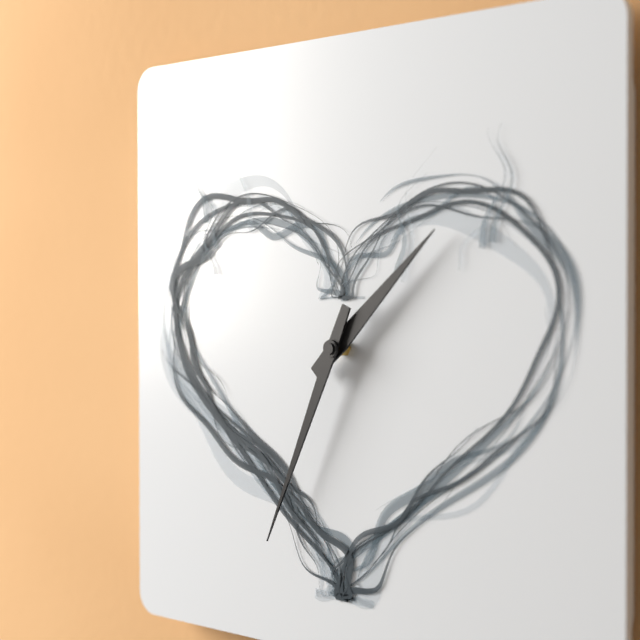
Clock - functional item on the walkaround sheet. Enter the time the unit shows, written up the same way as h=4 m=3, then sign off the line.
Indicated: h=1 m=34
